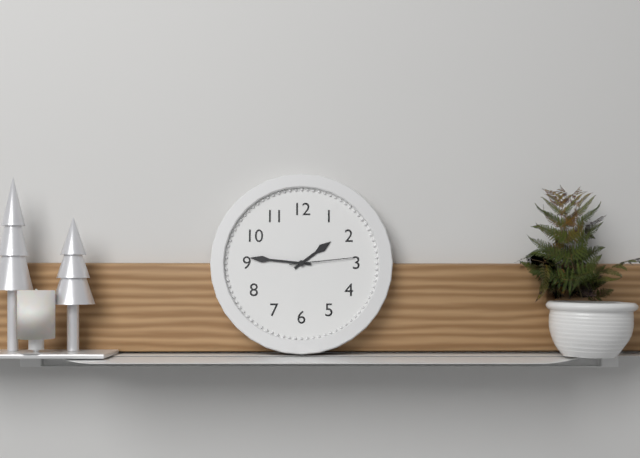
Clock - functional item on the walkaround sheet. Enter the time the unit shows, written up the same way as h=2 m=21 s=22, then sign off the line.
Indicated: h=1 m=46 s=14
